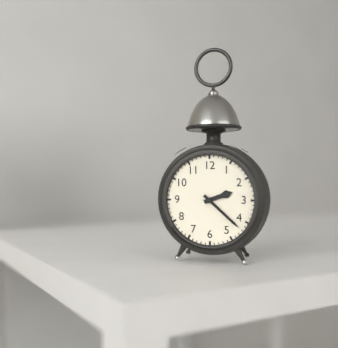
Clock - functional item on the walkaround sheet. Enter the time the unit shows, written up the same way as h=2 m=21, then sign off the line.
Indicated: h=2 m=22
